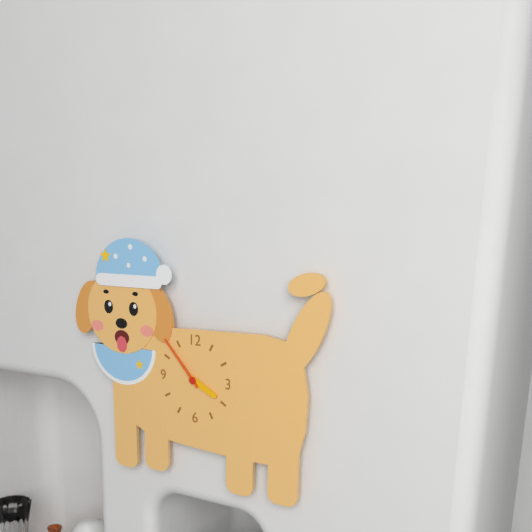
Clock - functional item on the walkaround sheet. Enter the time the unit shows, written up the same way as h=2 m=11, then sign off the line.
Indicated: h=3 m=53
